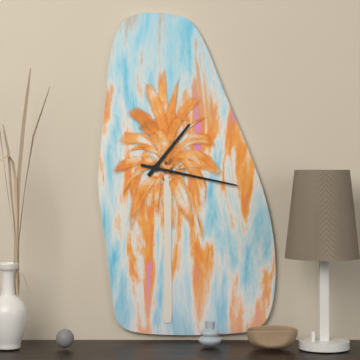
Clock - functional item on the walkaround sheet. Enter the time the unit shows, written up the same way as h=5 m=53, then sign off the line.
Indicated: h=1 m=17
